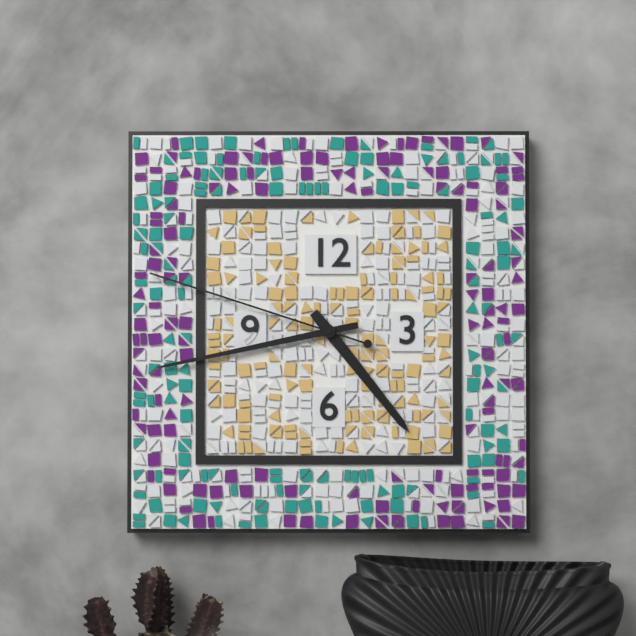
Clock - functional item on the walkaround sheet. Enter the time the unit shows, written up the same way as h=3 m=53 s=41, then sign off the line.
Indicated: h=4 m=43 s=48
